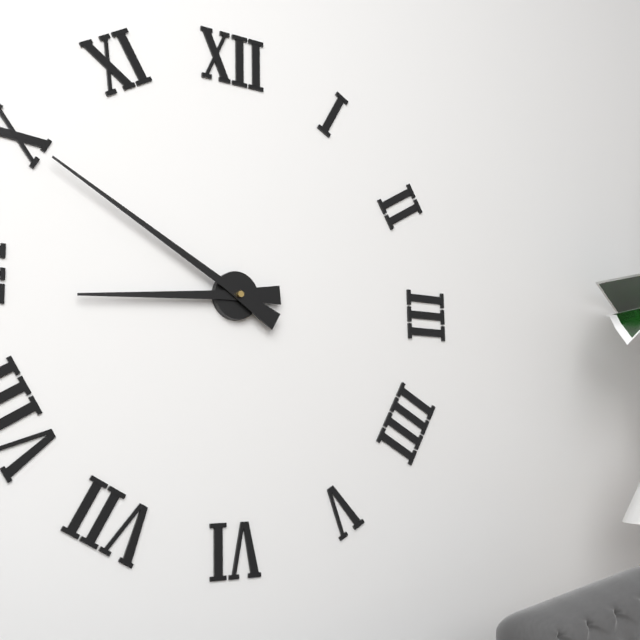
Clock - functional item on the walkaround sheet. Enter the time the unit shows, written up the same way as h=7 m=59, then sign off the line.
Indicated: h=8 m=50
